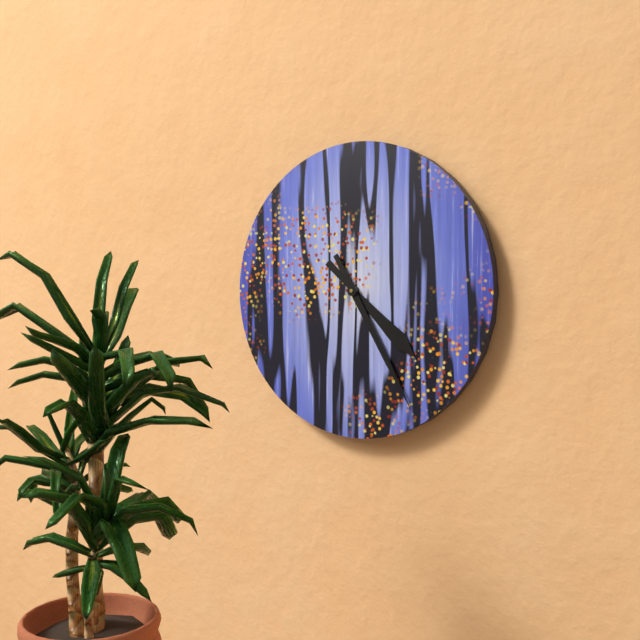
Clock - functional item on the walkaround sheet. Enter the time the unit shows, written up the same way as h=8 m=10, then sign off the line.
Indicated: h=4 m=25
